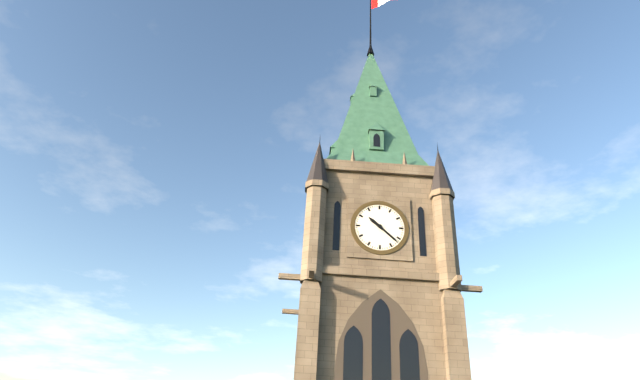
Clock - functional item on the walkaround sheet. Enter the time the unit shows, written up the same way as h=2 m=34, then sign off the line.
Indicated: h=10 m=22
